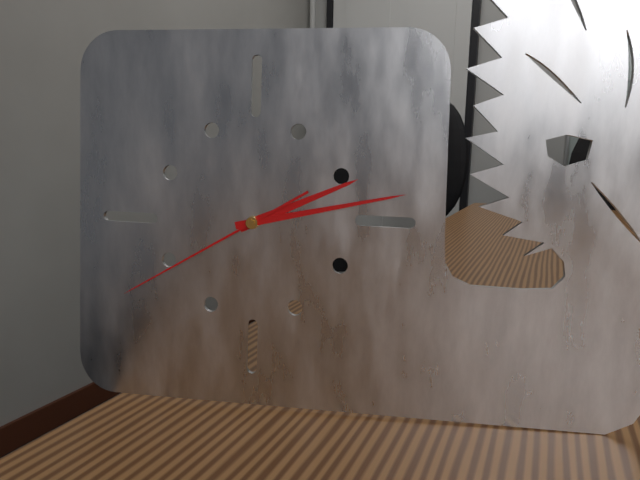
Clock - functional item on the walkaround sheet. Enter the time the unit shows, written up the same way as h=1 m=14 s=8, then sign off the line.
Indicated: h=2 m=13 s=40
